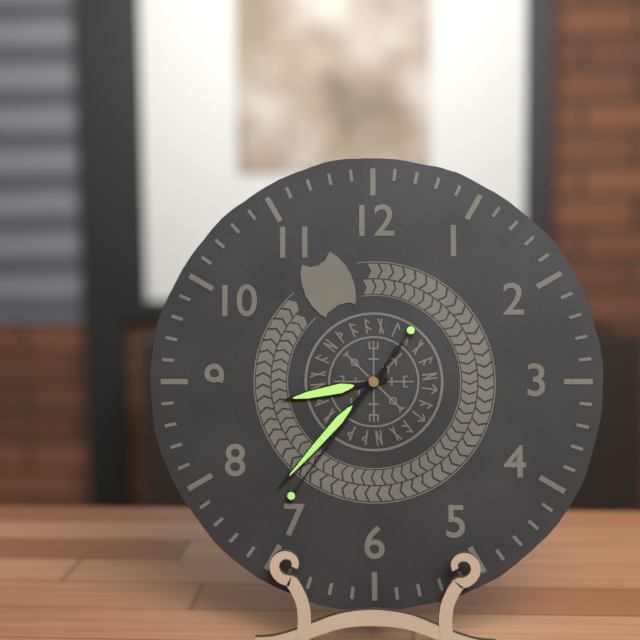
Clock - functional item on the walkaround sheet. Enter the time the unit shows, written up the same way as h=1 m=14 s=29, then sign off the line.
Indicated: h=8 m=37 s=36
